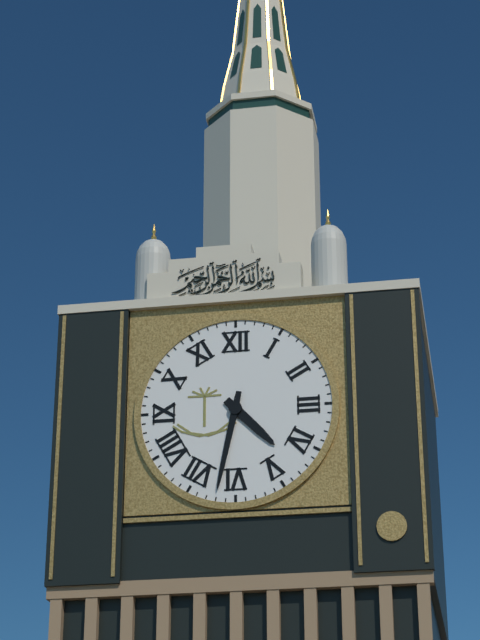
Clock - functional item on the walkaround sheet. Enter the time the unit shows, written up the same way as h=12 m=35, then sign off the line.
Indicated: h=4 m=32
